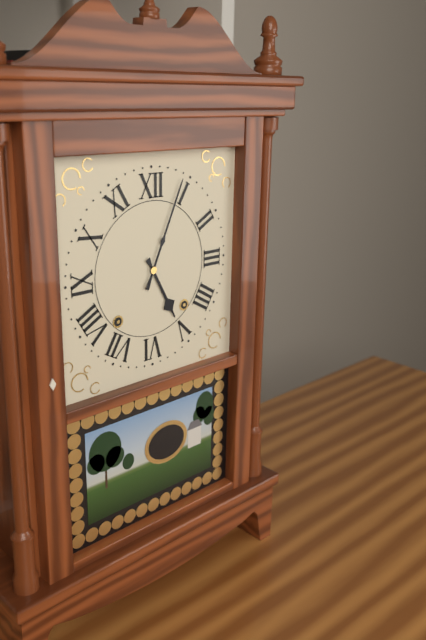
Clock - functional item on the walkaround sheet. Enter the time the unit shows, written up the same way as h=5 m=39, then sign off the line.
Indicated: h=5 m=4
